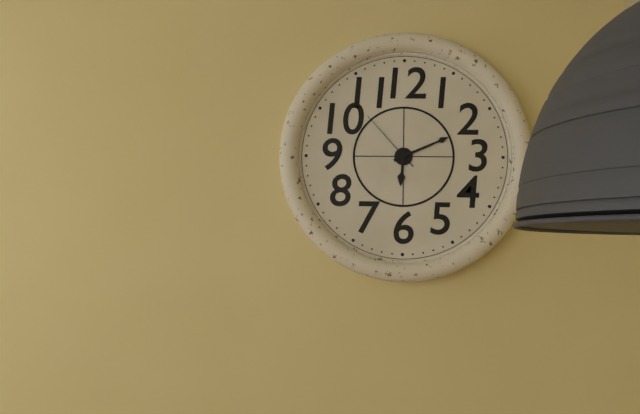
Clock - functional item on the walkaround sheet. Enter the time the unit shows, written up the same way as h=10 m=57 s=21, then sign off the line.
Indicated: h=6 m=11 s=53
